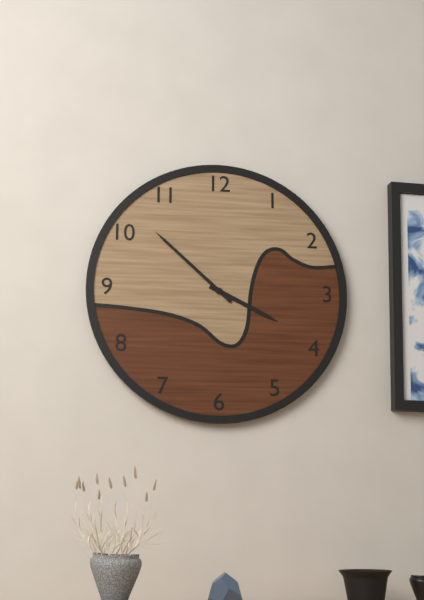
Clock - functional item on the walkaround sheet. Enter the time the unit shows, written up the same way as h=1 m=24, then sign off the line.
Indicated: h=3 m=52
